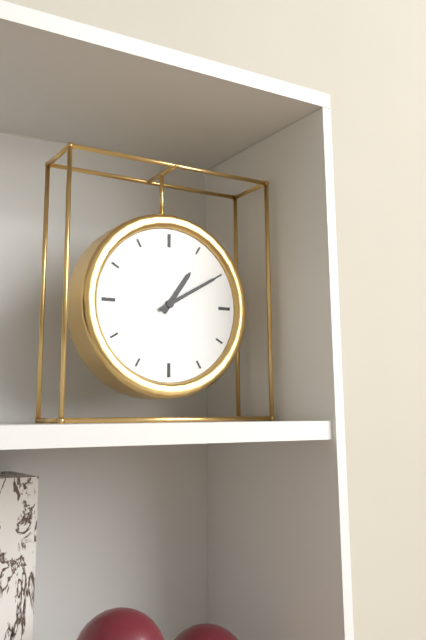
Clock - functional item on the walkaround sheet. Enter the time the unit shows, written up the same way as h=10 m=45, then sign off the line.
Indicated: h=1 m=10
